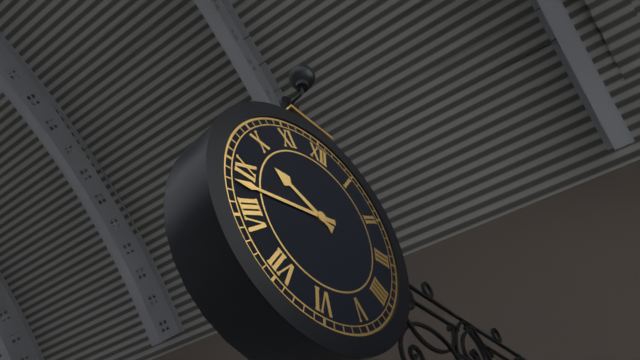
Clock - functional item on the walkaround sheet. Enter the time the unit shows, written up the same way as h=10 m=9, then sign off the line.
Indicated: h=9 m=43
